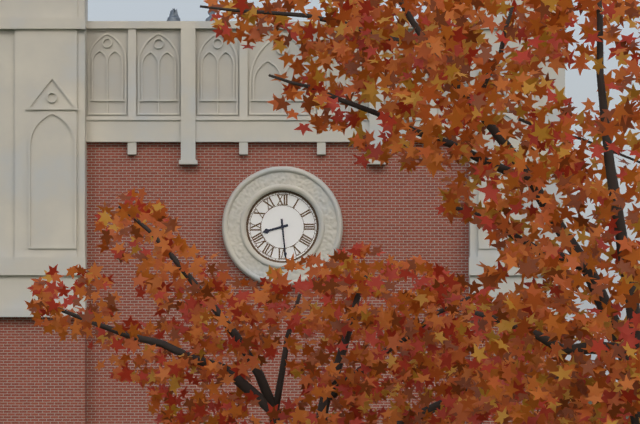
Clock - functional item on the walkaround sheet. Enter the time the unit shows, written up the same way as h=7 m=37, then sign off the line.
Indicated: h=8 m=29
